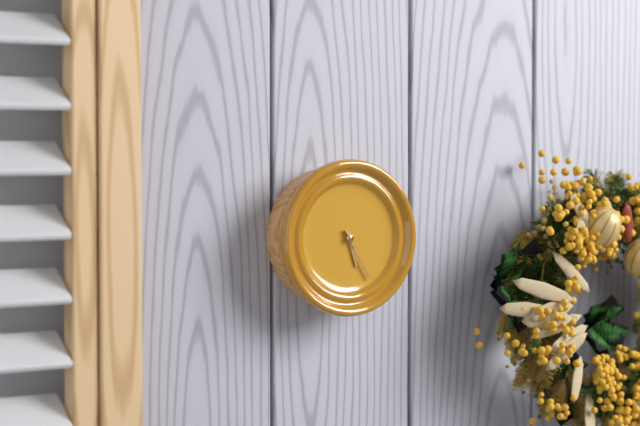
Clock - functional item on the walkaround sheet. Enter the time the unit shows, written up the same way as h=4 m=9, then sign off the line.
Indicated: h=5 m=25
